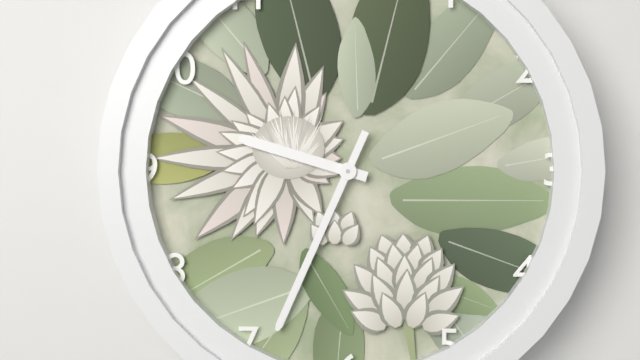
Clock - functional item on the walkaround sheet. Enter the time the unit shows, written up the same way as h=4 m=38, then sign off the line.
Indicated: h=9 m=34
